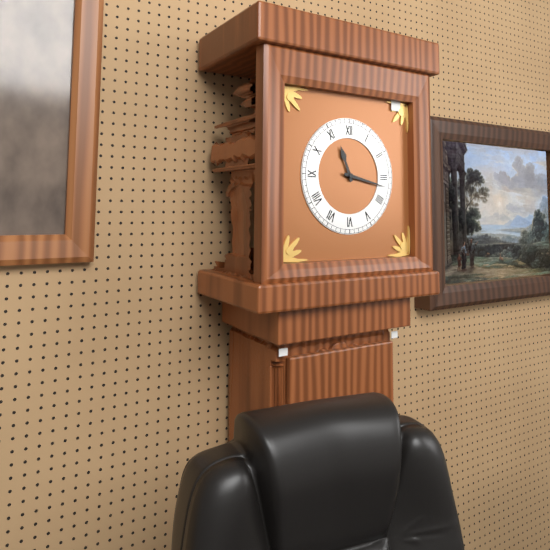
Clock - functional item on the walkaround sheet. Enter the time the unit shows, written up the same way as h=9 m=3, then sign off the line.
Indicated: h=11 m=17
